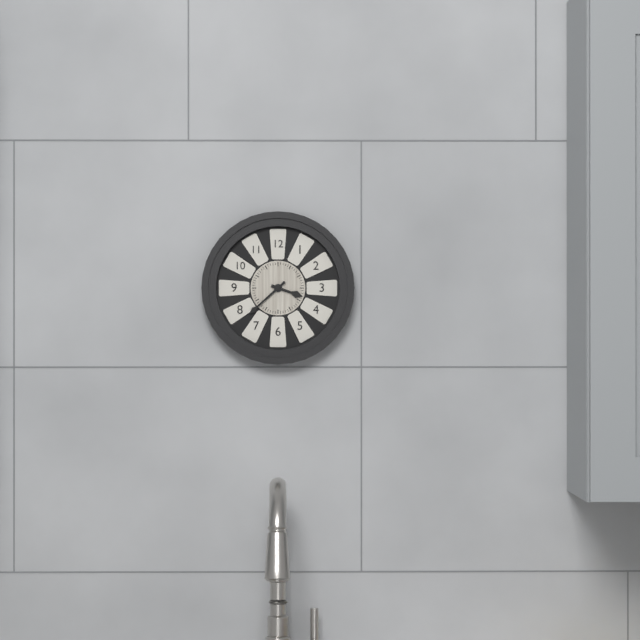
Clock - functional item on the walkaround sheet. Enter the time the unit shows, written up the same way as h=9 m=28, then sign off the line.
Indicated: h=3 m=38
